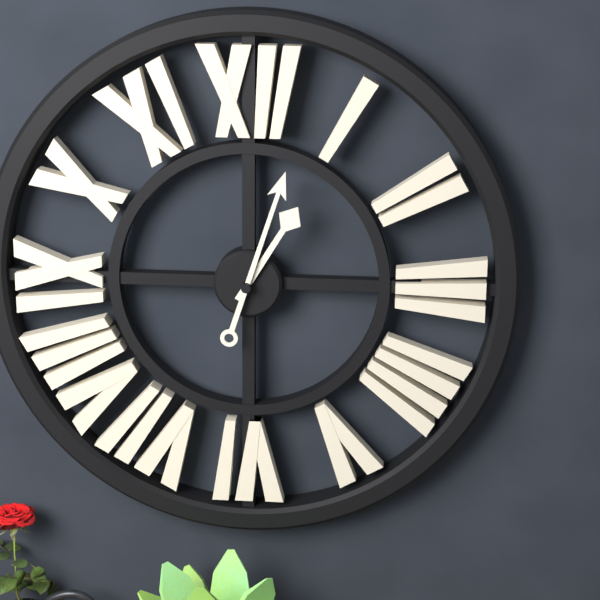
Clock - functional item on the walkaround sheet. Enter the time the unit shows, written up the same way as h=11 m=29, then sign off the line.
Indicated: h=1 m=3
